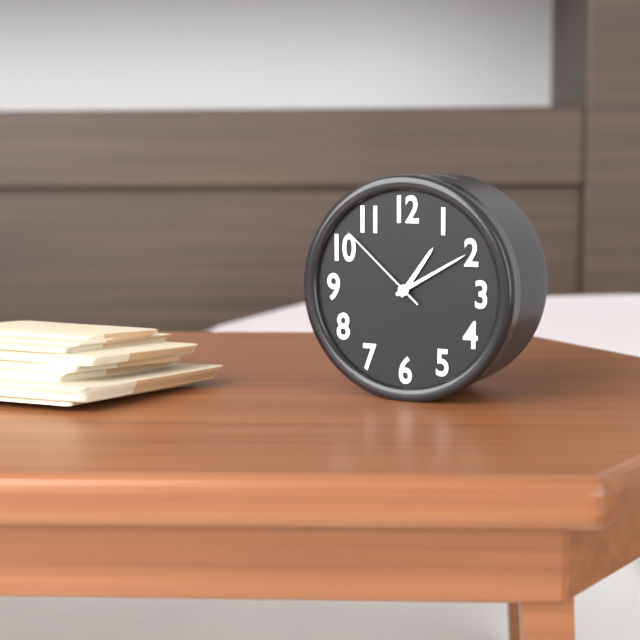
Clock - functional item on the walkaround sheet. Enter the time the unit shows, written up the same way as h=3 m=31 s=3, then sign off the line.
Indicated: h=1 m=10 s=52
